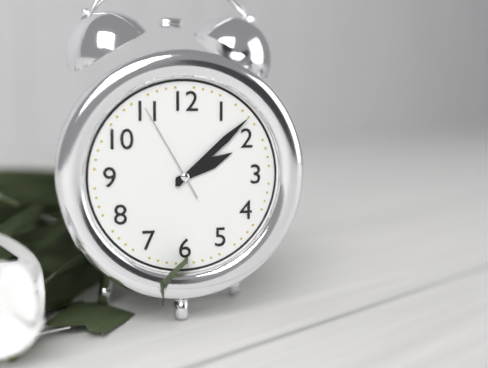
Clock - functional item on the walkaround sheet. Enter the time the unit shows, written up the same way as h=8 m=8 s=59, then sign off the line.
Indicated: h=2 m=8 s=55
